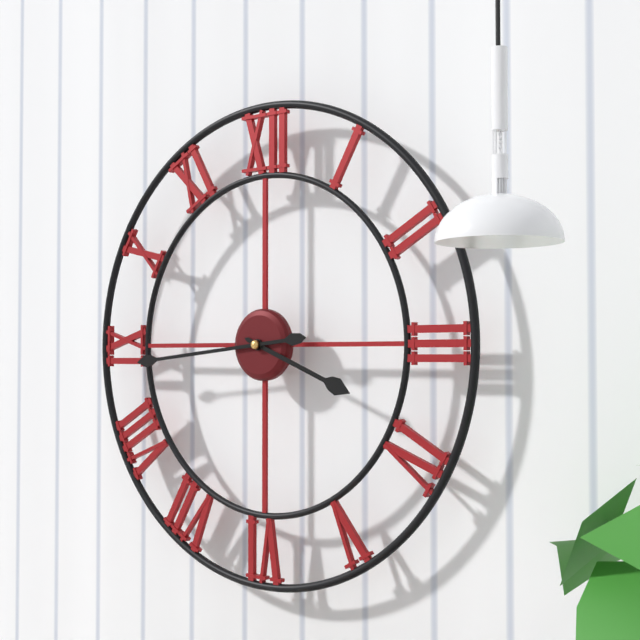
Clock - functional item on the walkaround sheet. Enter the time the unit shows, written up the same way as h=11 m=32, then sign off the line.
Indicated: h=3 m=44
